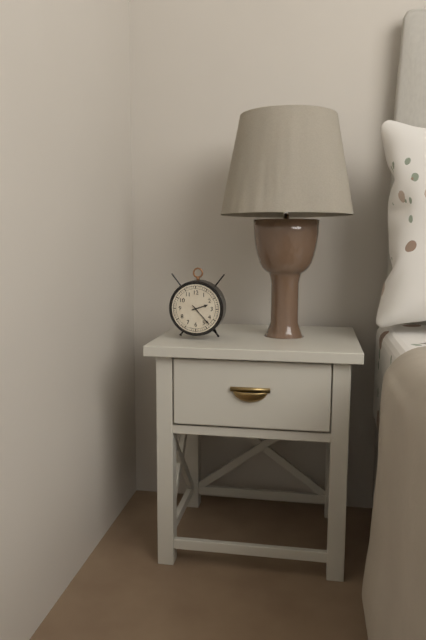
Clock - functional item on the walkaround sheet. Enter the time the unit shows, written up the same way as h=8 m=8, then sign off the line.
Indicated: h=2 m=23
